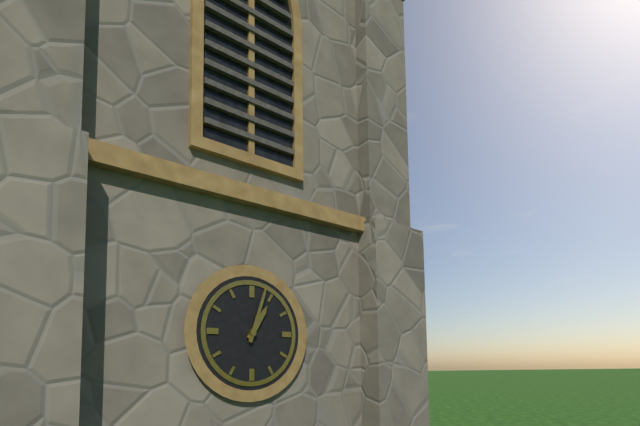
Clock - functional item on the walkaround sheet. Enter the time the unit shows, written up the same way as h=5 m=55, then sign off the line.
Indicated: h=1 m=3
